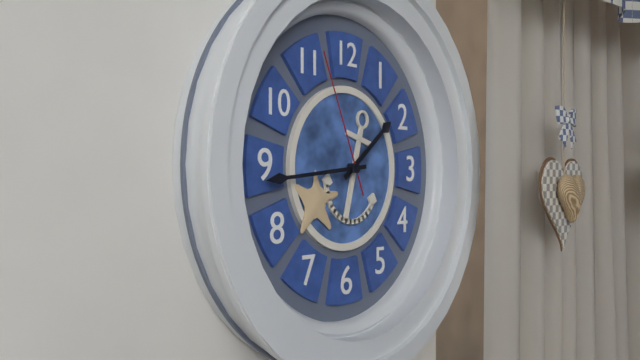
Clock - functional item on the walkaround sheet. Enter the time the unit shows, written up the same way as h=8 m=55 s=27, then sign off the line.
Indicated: h=1 m=44 s=56
